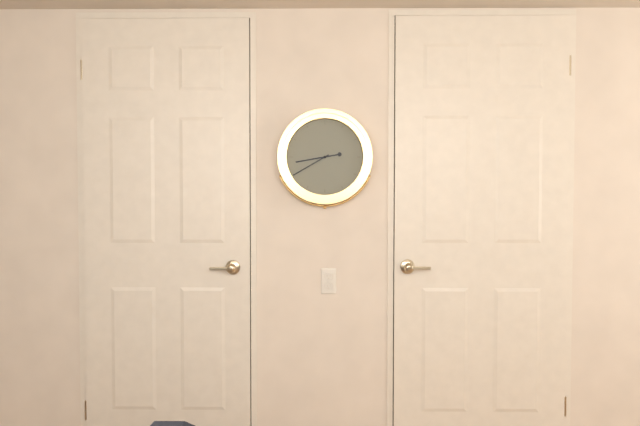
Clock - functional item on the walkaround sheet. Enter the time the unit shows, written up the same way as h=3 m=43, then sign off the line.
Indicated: h=8 m=40
